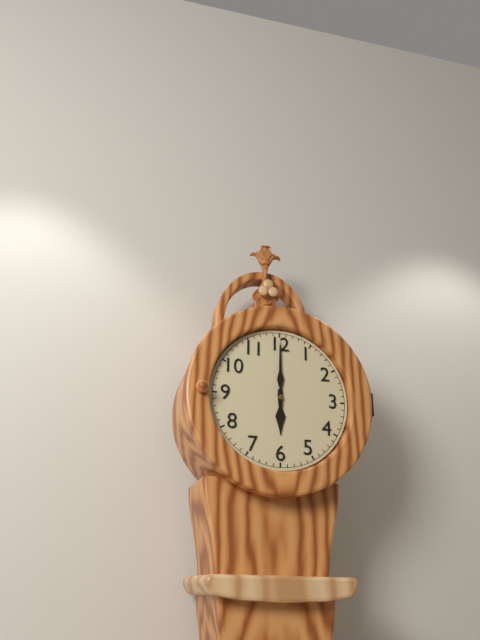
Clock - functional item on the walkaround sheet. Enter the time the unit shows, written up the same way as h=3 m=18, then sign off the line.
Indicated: h=6 m=0
